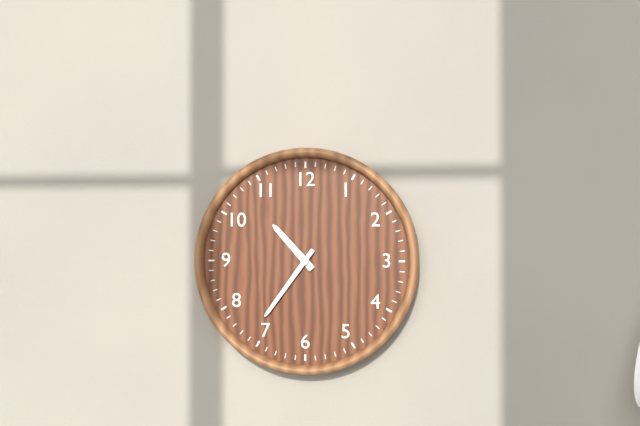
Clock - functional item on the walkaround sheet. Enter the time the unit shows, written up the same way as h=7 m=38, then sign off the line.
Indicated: h=10 m=36
